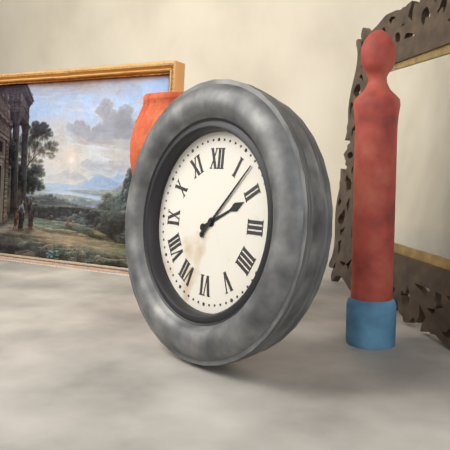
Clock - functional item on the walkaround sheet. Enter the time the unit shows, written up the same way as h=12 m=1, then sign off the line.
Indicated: h=2 m=7
